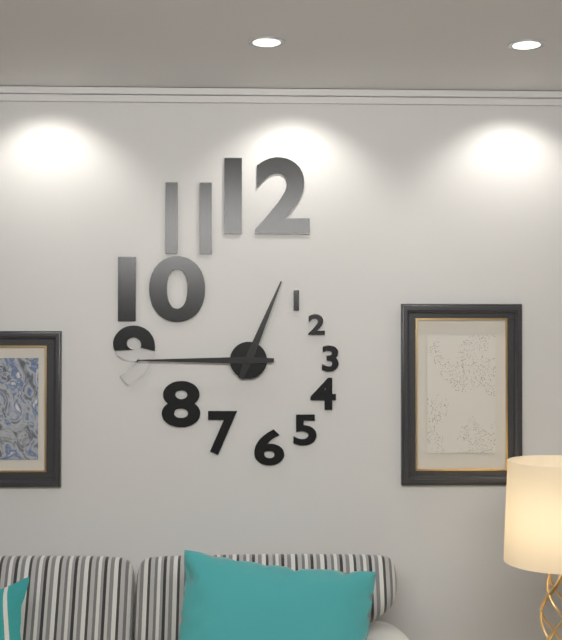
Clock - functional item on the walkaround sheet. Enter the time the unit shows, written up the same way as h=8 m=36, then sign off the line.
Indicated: h=12 m=45
